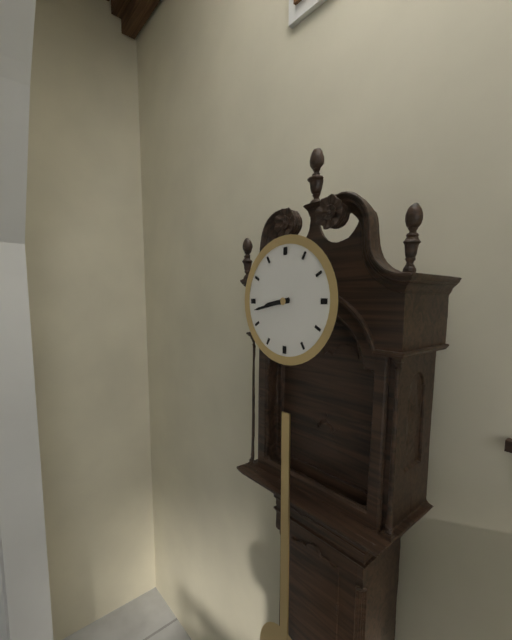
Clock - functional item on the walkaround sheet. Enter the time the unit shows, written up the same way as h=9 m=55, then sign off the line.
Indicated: h=8 m=43
